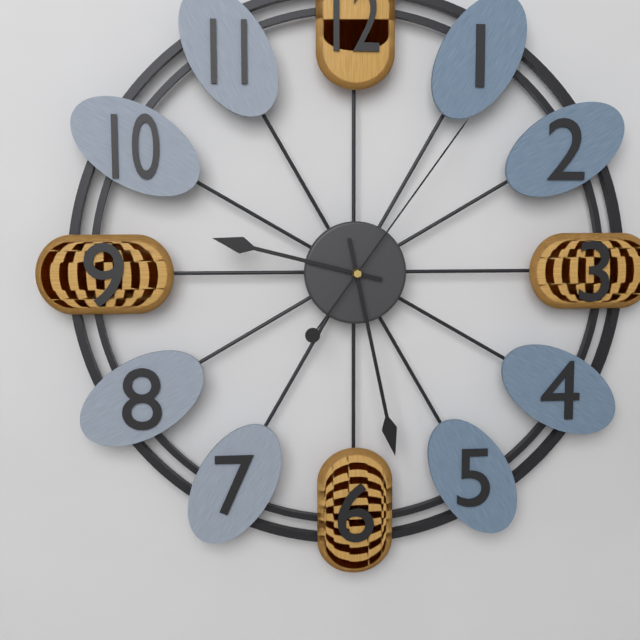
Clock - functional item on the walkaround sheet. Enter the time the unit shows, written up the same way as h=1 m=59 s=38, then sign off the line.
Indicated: h=9 m=28 s=6
